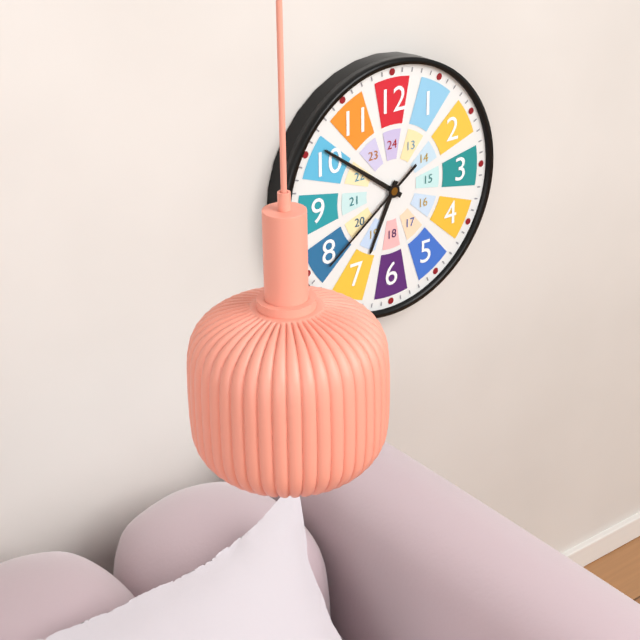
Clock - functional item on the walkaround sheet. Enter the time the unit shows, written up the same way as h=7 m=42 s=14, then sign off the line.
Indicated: h=6 m=51 s=39
